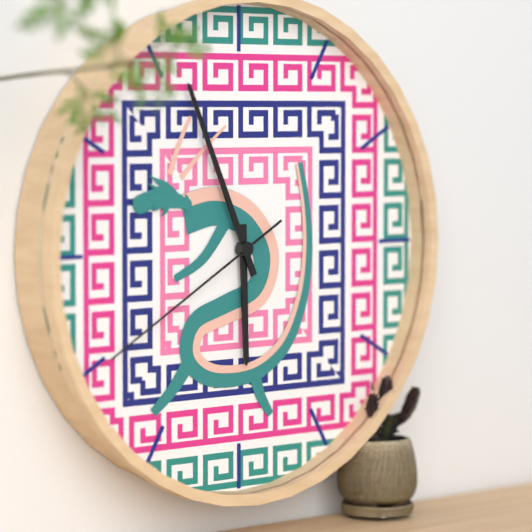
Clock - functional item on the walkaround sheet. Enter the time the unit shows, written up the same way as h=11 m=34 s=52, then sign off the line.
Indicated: h=5 m=56 s=40
